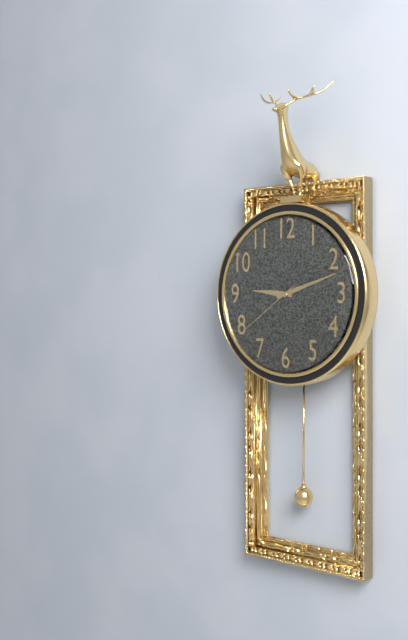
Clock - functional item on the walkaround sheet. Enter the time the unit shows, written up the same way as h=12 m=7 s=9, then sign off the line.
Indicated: h=9 m=12 s=39
